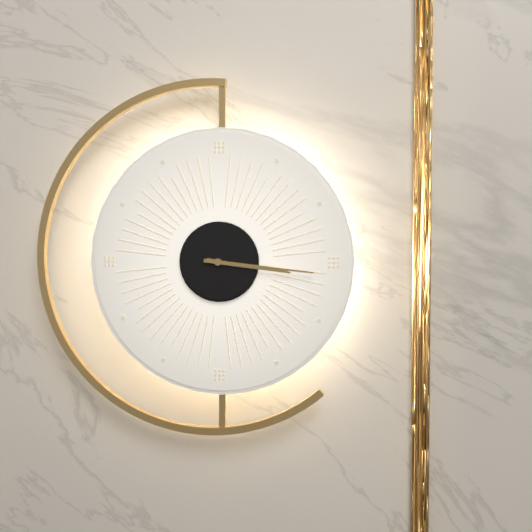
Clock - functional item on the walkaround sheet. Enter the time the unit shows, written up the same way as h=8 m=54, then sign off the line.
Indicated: h=3 m=16
